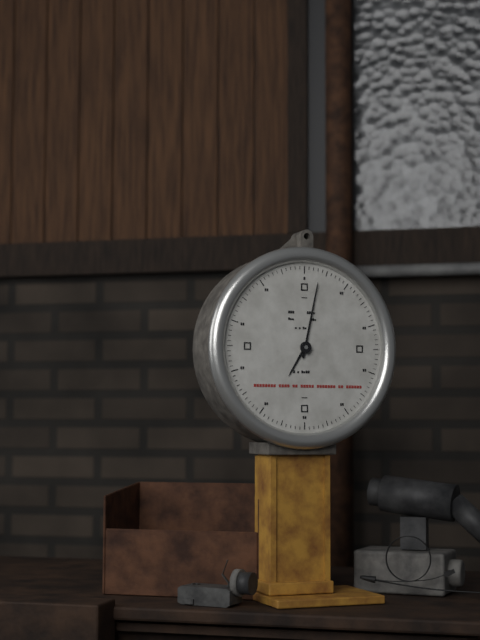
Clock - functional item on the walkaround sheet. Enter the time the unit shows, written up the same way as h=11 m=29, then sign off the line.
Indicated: h=7 m=2
